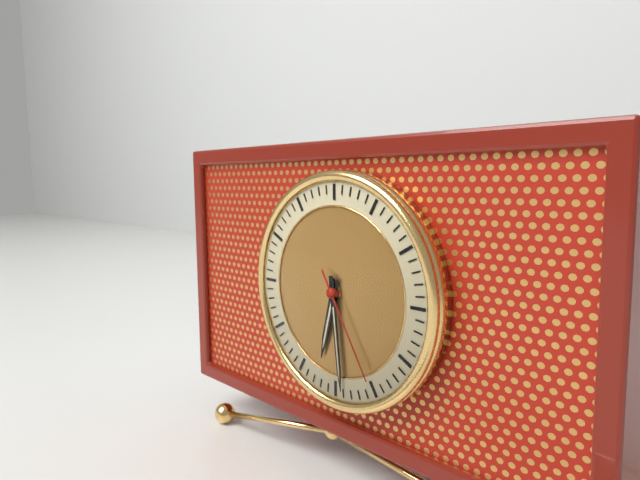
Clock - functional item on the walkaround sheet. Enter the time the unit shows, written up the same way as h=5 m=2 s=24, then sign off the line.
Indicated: h=6 m=29 s=25
